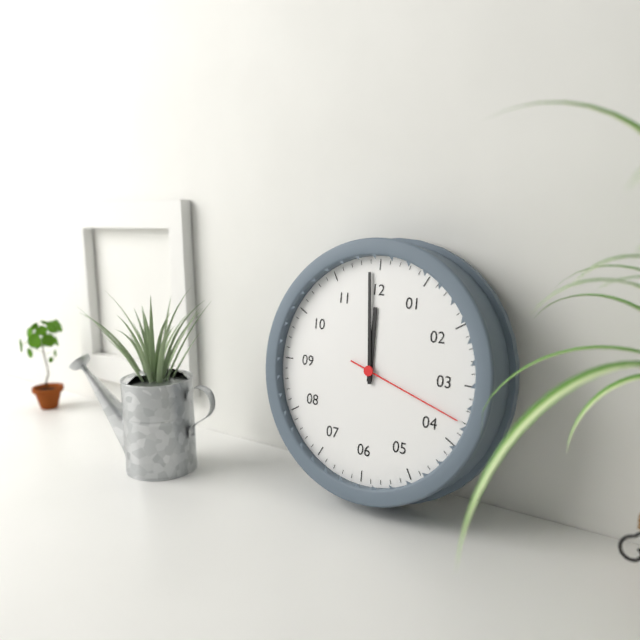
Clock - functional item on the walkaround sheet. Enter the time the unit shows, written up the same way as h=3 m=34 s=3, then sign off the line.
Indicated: h=11 m=59 s=18
